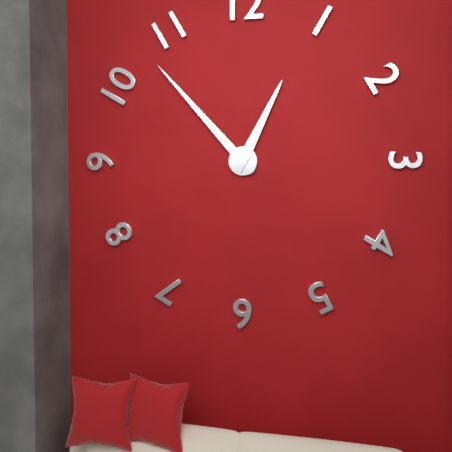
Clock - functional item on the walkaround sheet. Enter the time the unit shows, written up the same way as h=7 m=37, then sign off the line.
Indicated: h=12 m=53
